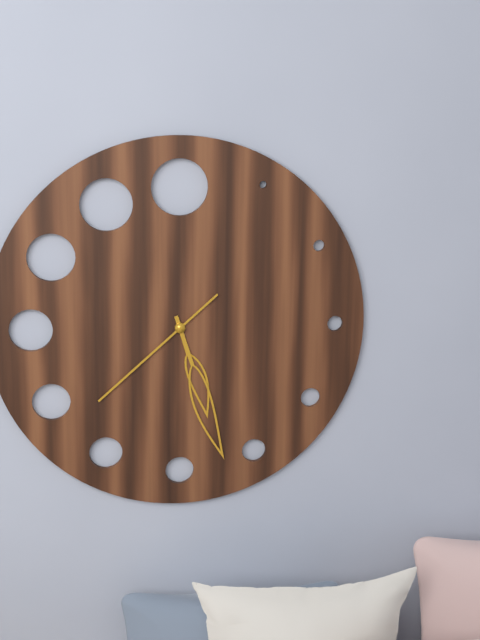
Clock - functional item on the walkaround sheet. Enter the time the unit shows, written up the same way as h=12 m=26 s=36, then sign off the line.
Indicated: h=5 m=27 s=38
